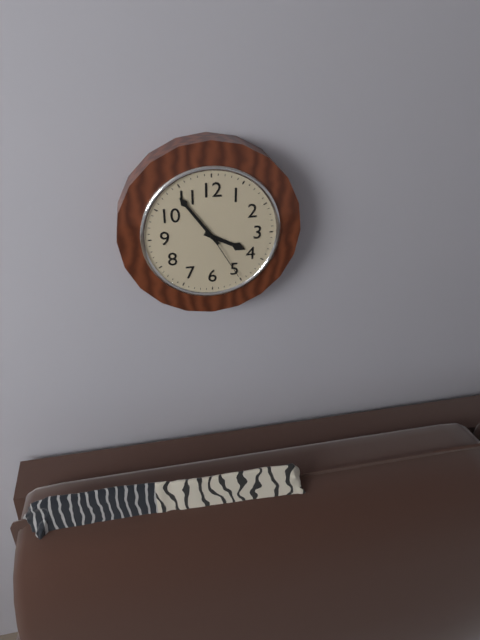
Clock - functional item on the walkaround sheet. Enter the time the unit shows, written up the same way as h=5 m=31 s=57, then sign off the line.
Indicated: h=3 m=54 s=25
